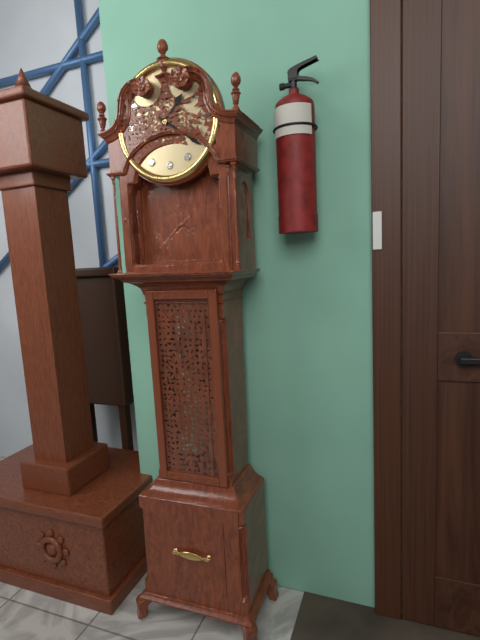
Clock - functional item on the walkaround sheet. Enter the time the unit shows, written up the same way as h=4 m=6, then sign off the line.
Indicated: h=1 m=21
